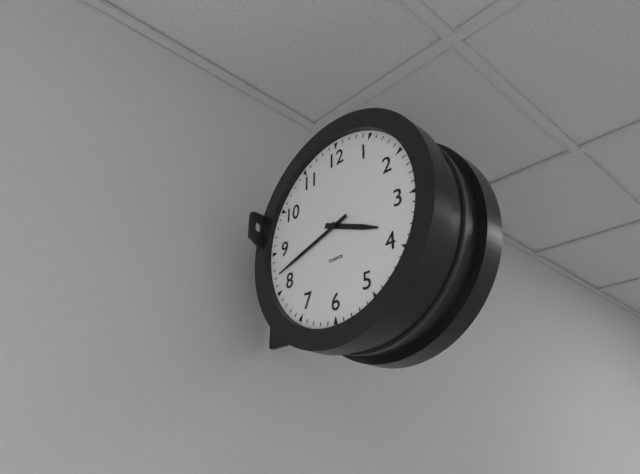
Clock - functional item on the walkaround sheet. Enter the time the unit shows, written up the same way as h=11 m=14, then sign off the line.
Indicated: h=3 m=42
